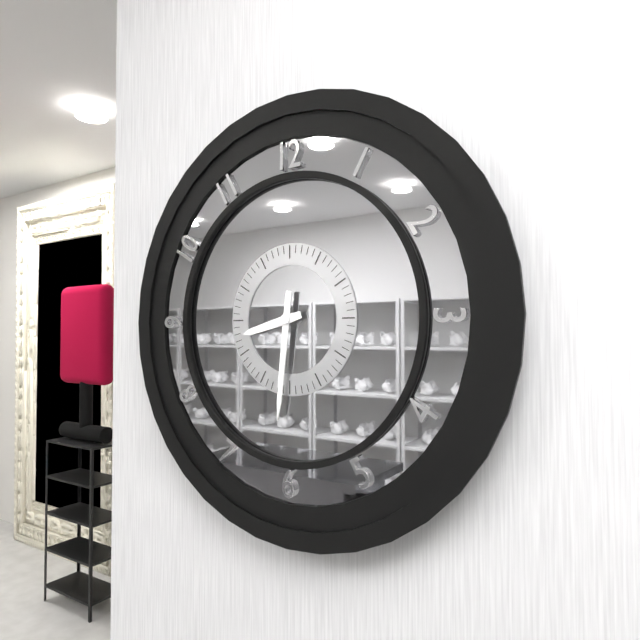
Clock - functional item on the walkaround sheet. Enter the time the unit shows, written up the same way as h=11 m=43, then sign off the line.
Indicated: h=8 m=31
